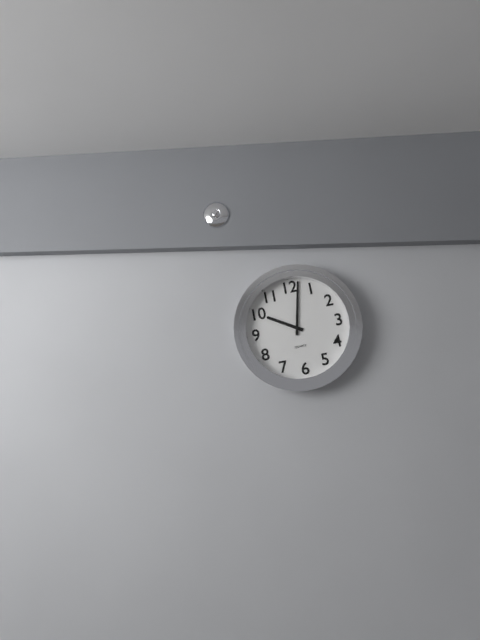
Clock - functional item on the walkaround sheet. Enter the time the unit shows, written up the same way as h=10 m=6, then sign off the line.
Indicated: h=10 m=2
